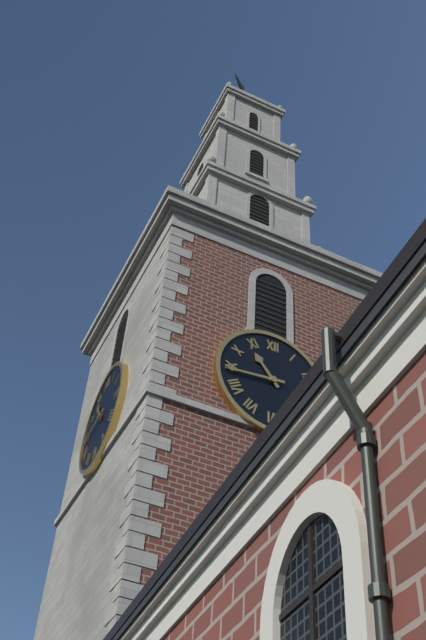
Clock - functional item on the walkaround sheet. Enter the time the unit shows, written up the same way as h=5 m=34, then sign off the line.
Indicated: h=10 m=44
